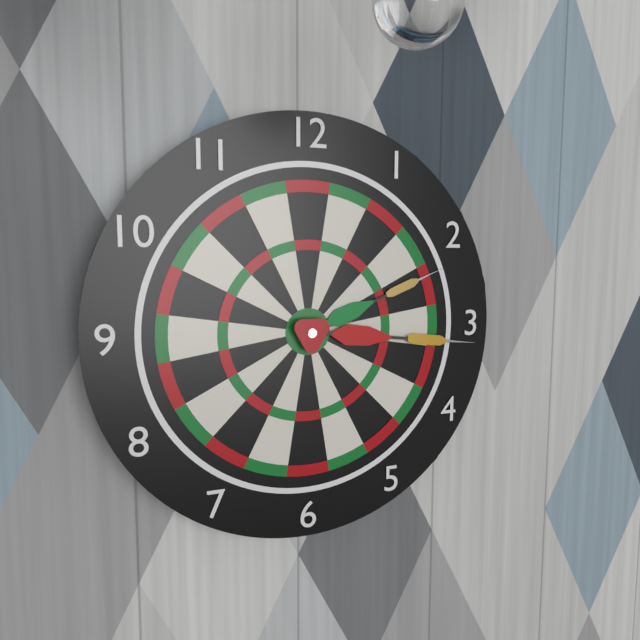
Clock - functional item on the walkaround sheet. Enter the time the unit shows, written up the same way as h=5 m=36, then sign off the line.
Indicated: h=2 m=16
